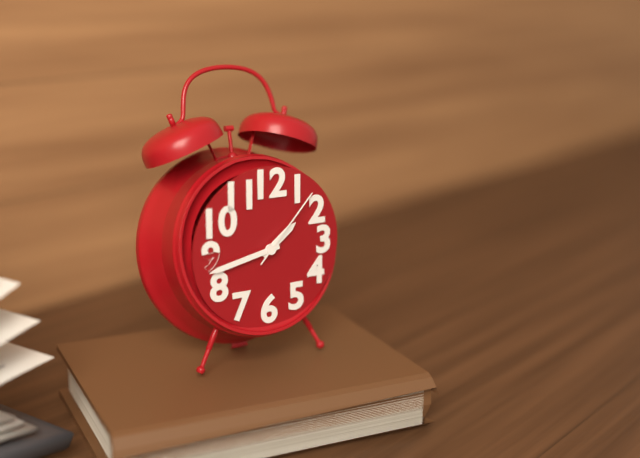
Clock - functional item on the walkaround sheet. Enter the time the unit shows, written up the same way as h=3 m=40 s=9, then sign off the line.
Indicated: h=1 m=43 s=7
